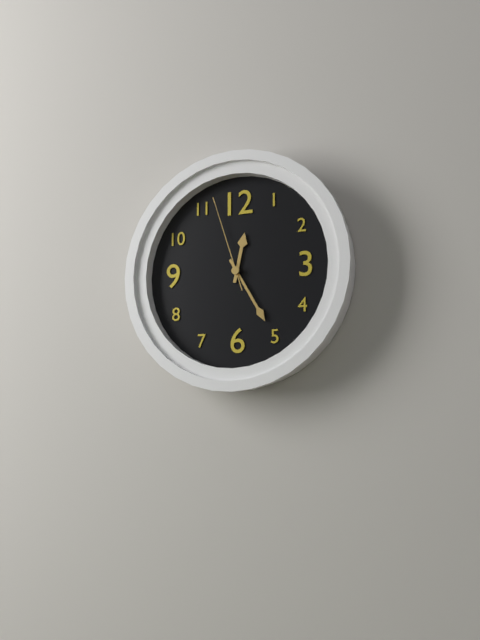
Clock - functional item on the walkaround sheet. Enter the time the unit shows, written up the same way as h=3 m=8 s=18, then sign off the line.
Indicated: h=12 m=25 s=57
